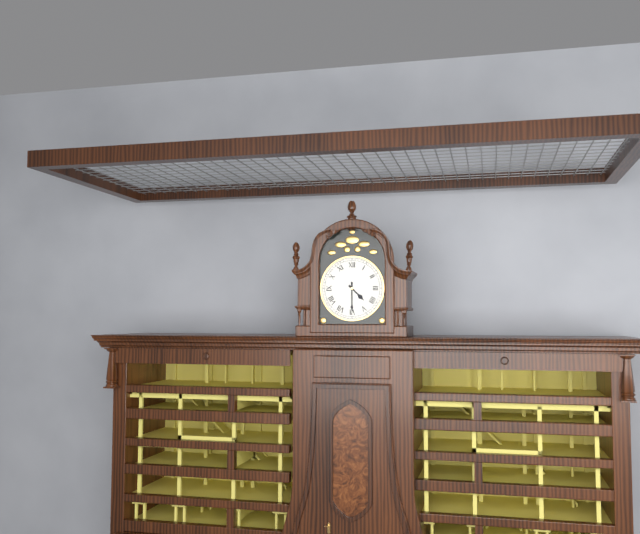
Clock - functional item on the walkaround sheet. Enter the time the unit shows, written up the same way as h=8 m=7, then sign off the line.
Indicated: h=4 m=30
